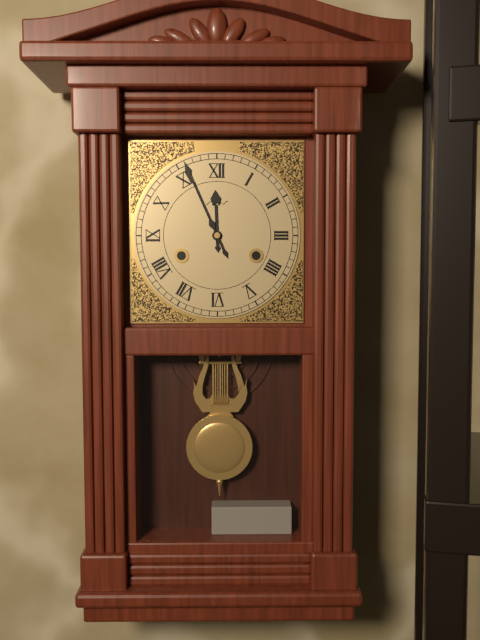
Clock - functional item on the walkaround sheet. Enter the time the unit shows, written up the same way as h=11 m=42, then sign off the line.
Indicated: h=11 m=56
